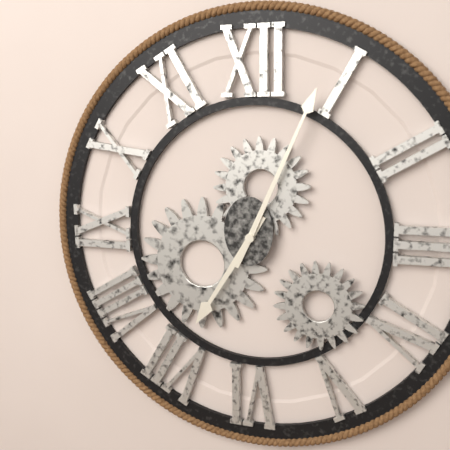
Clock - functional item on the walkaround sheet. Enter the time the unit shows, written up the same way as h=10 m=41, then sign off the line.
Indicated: h=7 m=4
